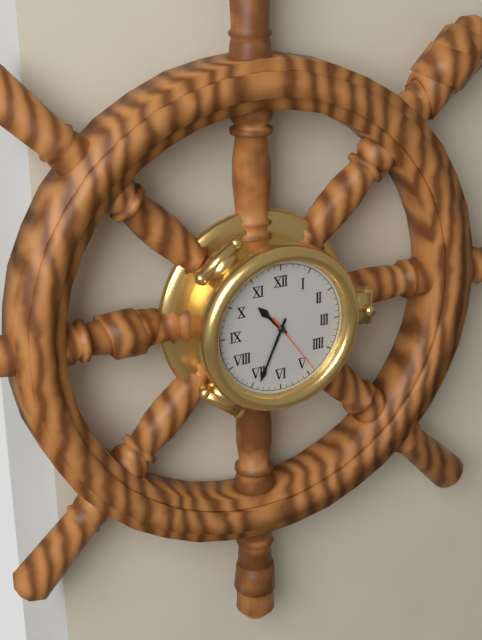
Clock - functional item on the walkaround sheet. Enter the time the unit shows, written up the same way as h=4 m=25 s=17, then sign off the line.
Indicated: h=10 m=34 s=24
